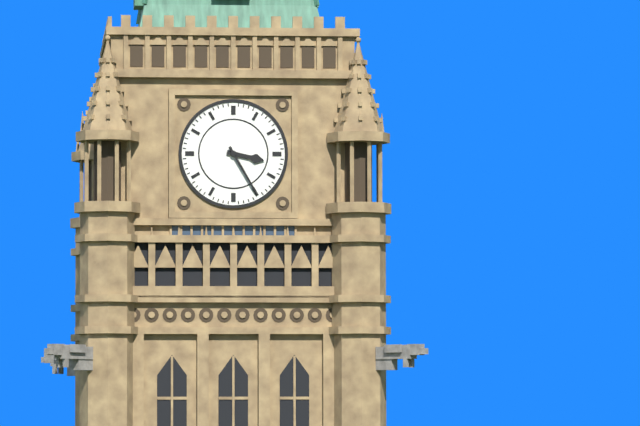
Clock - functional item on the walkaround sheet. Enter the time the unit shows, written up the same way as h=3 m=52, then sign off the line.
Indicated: h=3 m=25
